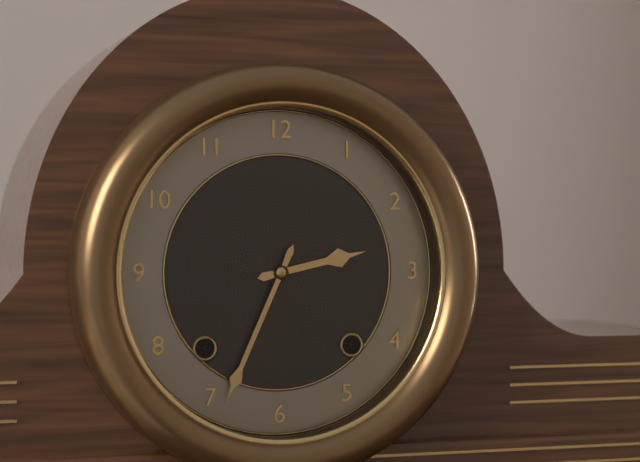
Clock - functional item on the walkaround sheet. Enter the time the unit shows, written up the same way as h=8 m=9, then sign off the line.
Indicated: h=2 m=34
